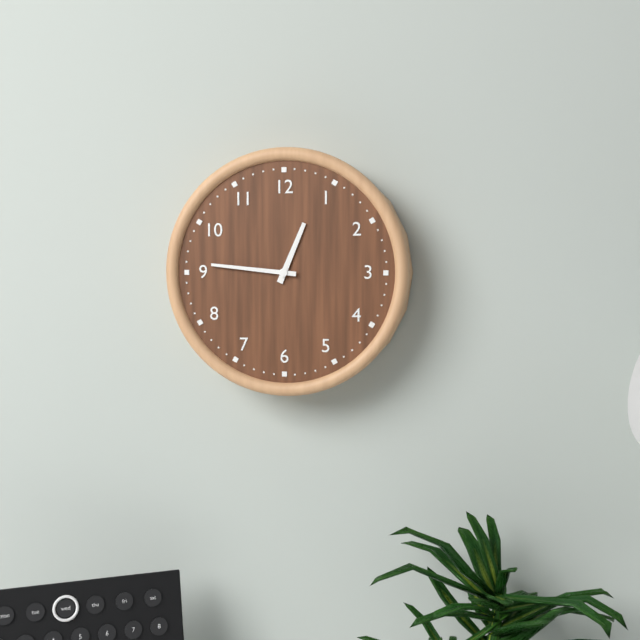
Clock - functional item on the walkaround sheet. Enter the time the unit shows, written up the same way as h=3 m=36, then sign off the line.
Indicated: h=12 m=46
